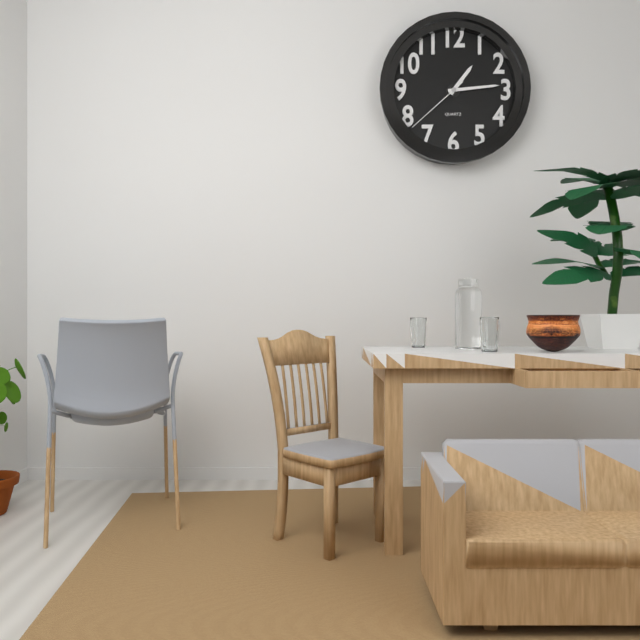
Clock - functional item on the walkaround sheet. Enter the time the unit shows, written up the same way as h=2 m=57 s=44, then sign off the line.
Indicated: h=1 m=14 s=38
